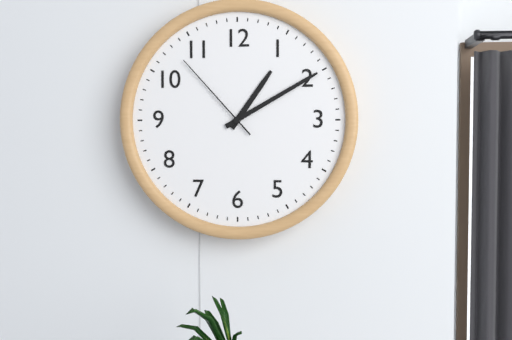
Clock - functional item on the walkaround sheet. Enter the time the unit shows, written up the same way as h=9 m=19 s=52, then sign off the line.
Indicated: h=1 m=10 s=53
